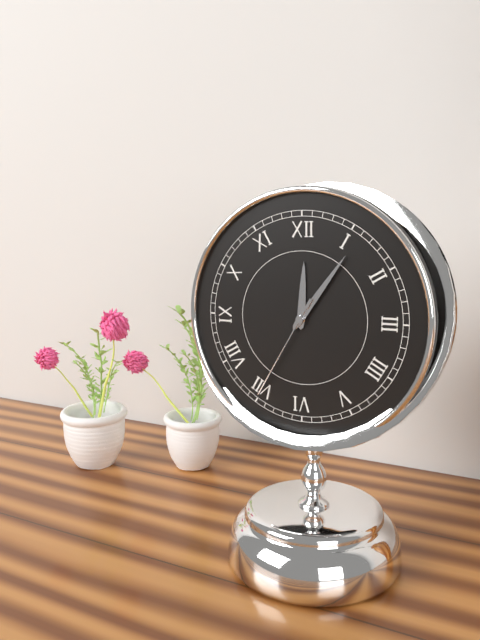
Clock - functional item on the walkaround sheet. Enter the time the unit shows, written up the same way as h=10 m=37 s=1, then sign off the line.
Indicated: h=12 m=6 s=35
